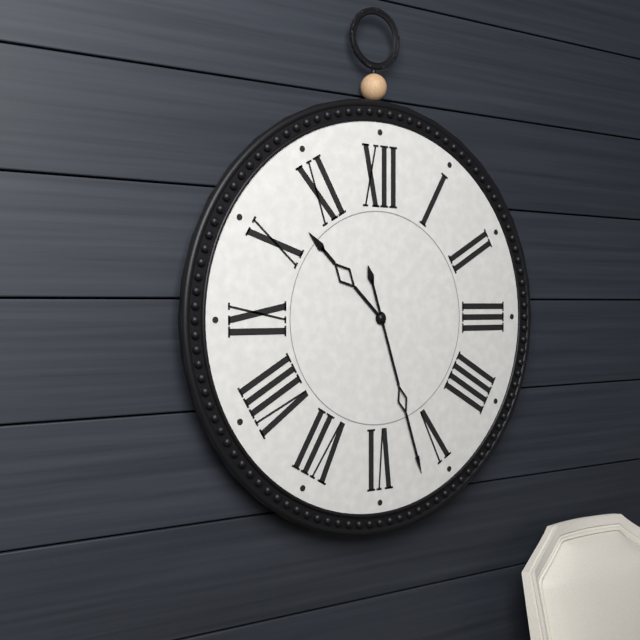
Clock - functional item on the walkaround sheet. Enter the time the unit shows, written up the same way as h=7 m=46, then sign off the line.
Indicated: h=10 m=27
